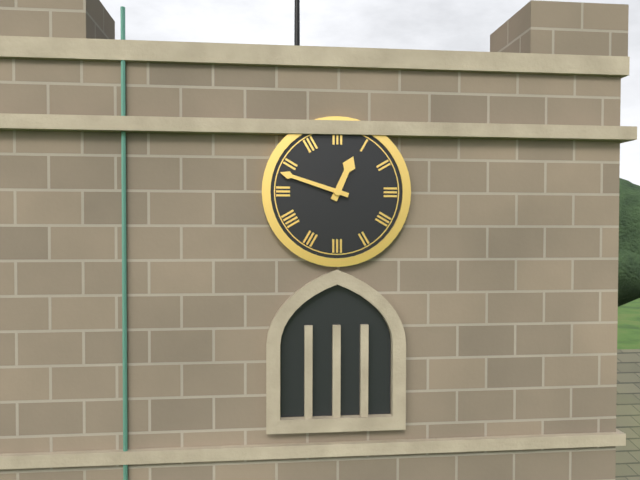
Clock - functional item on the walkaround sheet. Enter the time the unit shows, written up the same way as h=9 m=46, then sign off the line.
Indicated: h=12 m=48
